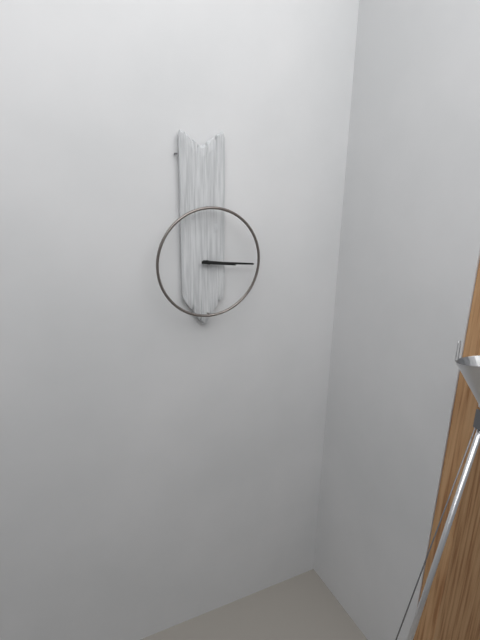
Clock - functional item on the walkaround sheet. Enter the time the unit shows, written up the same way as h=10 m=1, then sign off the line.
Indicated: h=3 m=16
